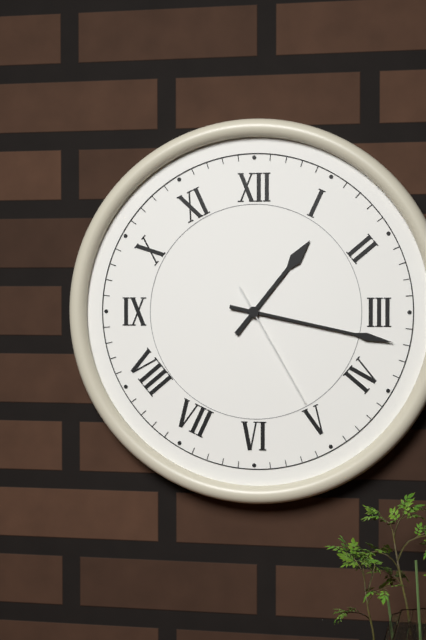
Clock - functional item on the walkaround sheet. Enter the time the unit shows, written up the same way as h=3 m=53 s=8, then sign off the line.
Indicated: h=1 m=17 s=25
